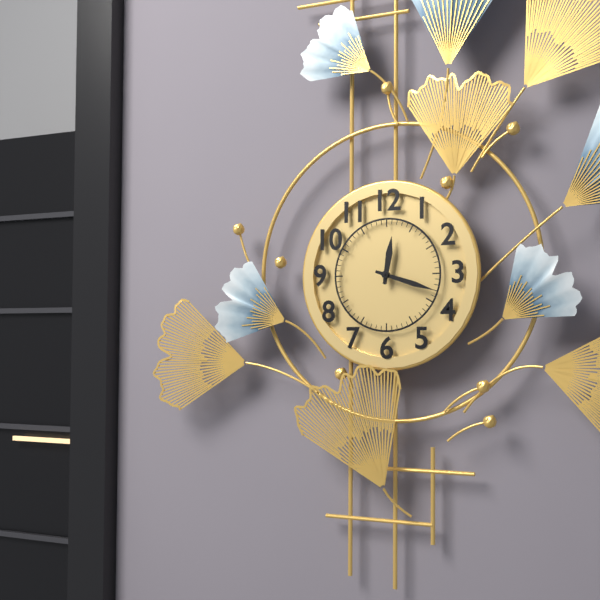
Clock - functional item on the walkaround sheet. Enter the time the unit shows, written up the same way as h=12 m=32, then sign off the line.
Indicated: h=12 m=18
